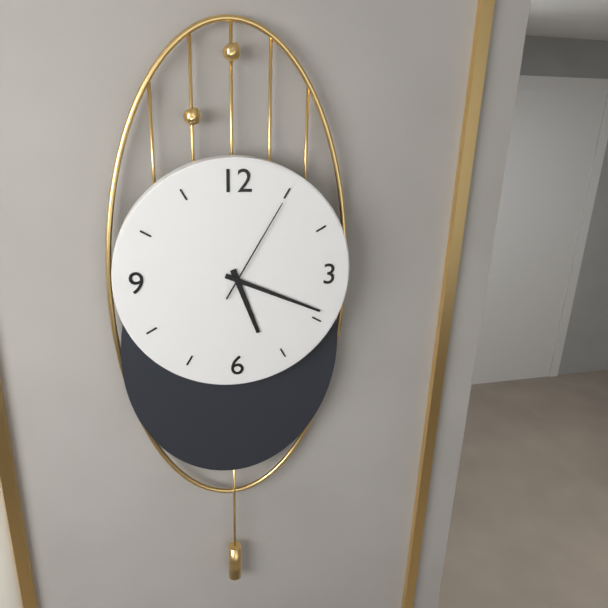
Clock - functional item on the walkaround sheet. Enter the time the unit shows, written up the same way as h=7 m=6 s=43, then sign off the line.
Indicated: h=5 m=19 s=5
